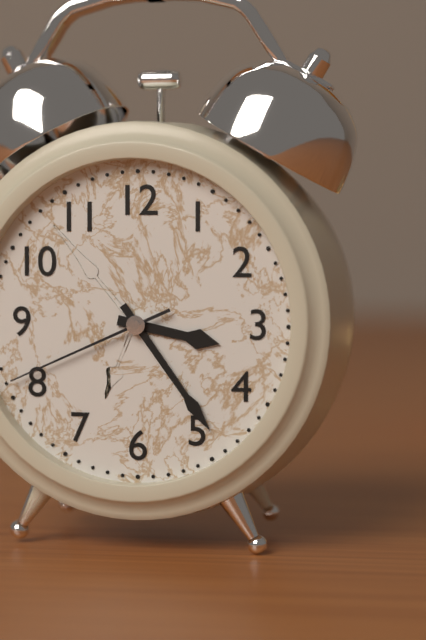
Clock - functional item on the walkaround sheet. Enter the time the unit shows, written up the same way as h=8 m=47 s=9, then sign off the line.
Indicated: h=3 m=24 s=41
